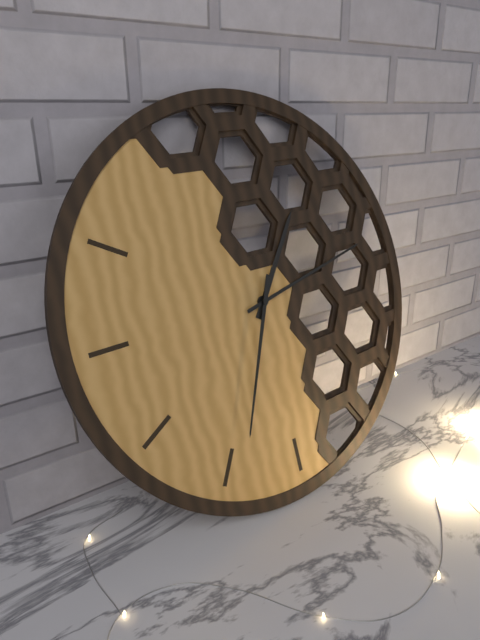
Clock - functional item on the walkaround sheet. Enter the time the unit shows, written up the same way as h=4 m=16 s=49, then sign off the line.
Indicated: h=1 m=13 s=34
